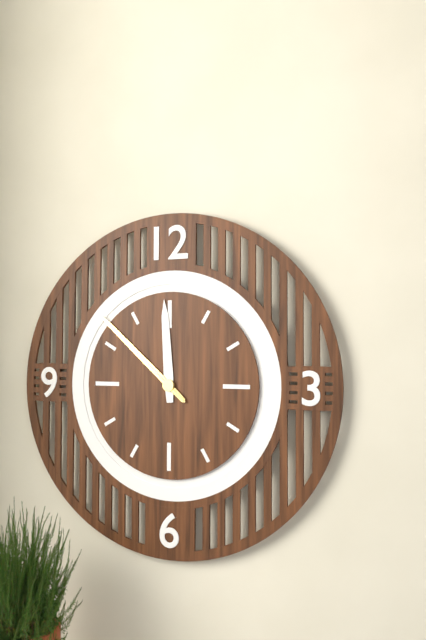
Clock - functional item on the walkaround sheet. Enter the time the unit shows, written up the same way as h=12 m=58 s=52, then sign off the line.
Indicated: h=11 m=52 s=52
